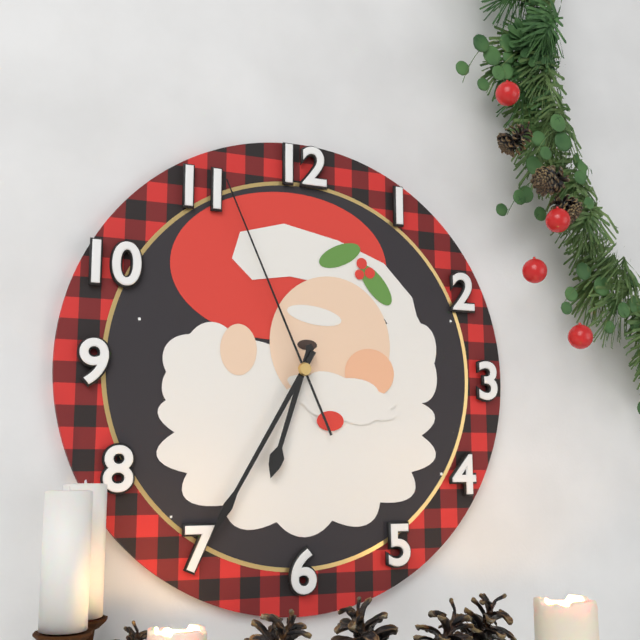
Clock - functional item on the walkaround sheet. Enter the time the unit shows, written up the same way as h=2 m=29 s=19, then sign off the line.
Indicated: h=6 m=35 s=56
